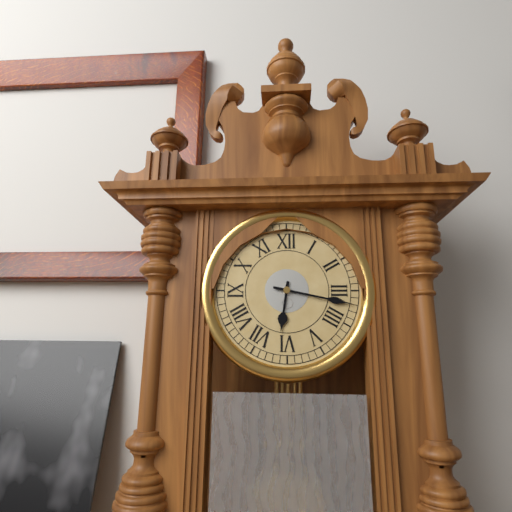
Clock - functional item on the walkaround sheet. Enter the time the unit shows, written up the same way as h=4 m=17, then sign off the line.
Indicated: h=6 m=17
